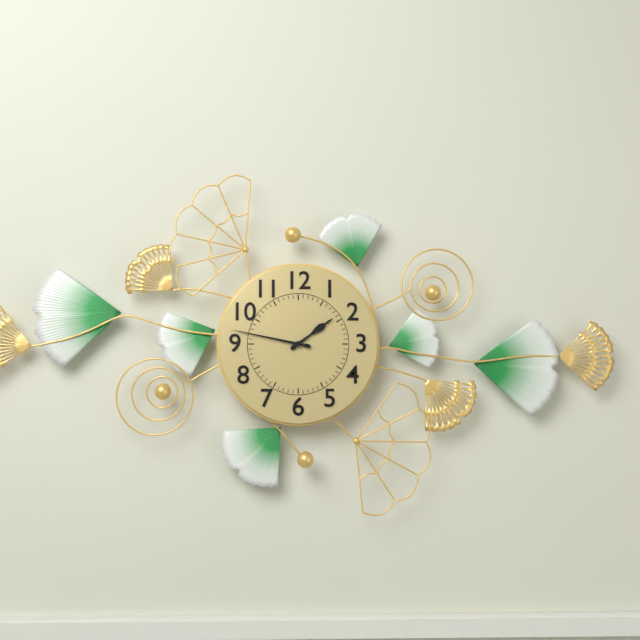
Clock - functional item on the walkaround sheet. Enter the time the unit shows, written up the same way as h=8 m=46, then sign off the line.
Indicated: h=1 m=47
